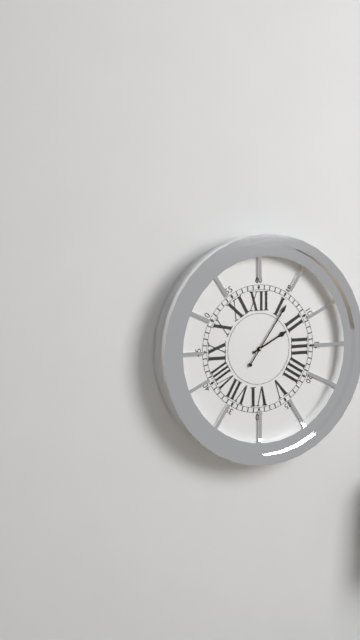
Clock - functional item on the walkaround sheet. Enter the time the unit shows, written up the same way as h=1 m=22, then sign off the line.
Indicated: h=2 m=6
